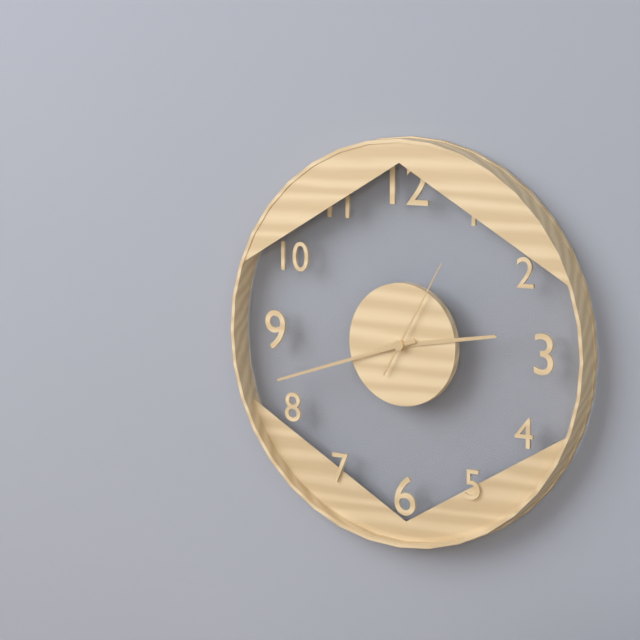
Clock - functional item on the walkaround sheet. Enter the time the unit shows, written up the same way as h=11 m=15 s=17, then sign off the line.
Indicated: h=2 m=42 s=5
